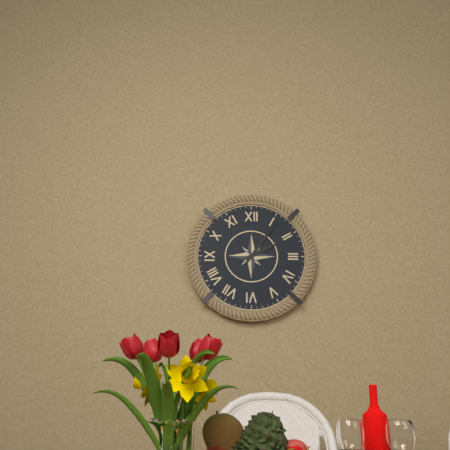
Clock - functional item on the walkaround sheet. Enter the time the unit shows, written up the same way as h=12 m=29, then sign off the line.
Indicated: h=2 m=6
